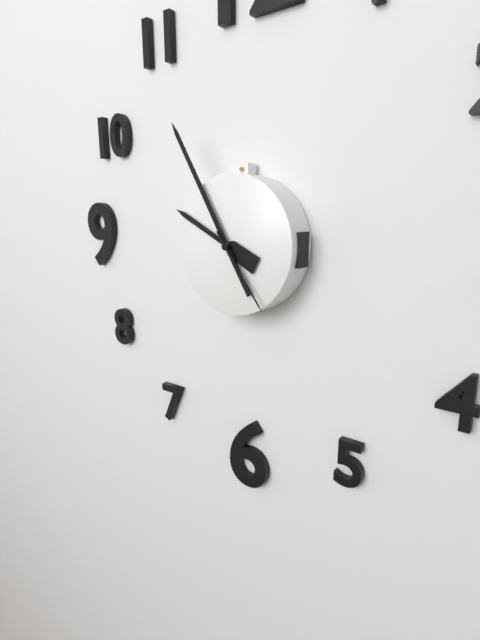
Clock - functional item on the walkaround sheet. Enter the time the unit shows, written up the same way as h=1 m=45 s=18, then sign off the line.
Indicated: h=9 m=55 s=24
